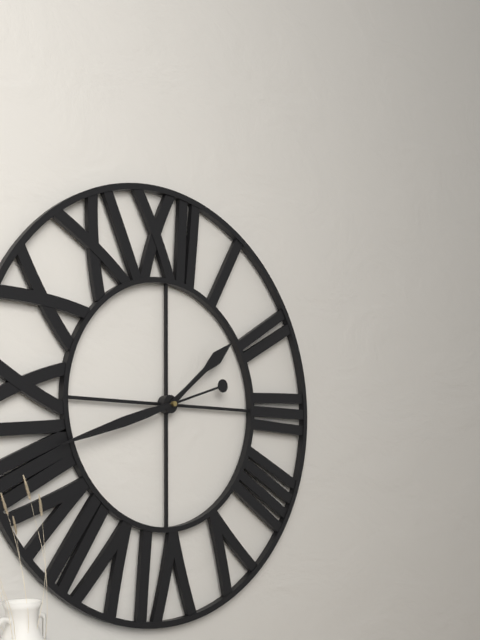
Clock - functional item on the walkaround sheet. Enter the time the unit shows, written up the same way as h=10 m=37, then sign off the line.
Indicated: h=1 m=42
